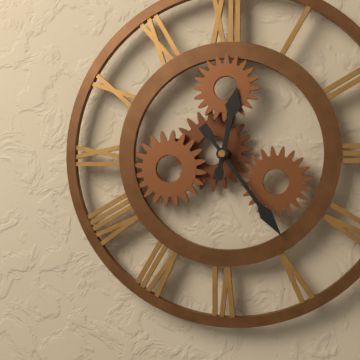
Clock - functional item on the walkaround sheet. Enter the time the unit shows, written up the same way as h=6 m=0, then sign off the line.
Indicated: h=12 m=24
